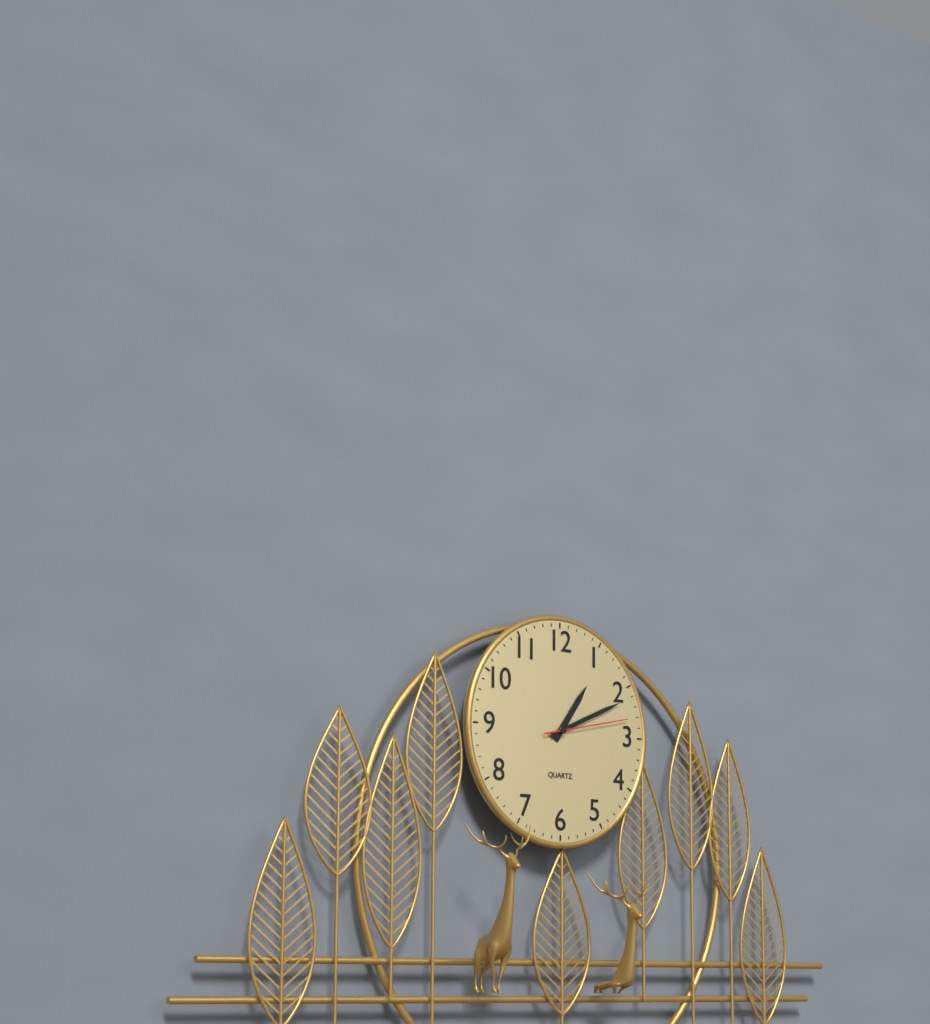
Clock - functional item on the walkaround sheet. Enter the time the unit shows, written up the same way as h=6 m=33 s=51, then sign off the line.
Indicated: h=1 m=11 s=13
